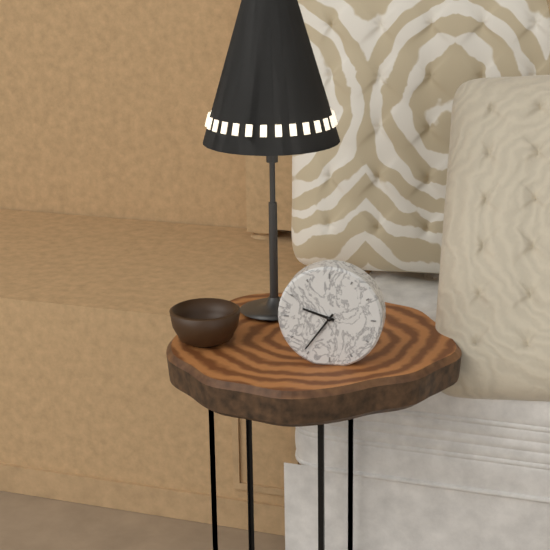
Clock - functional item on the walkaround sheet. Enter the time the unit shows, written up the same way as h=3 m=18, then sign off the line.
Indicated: h=9 m=36
